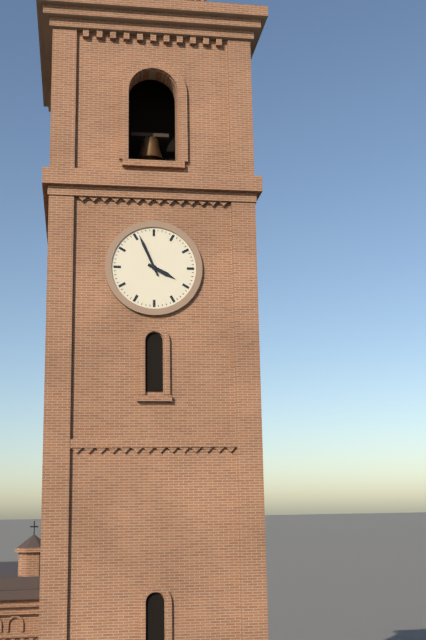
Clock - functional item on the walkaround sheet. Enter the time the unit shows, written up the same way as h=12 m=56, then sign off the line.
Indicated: h=3 m=56
